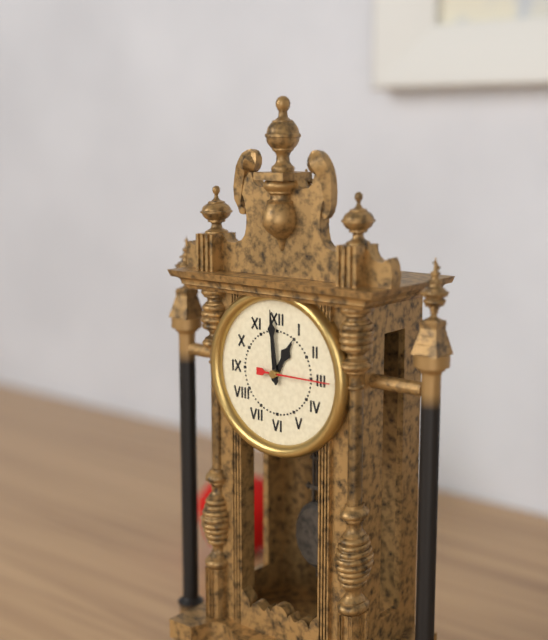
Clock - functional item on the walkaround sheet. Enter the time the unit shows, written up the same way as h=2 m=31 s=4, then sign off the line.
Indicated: h=12 m=59 s=15
